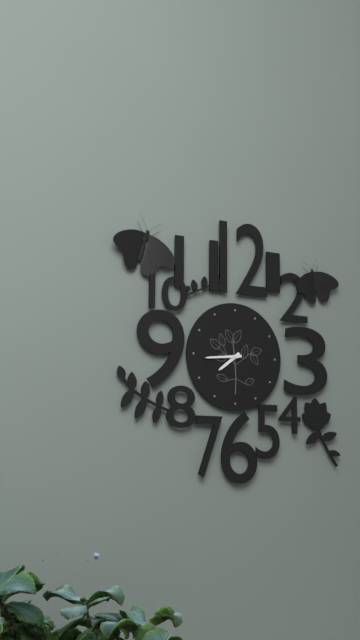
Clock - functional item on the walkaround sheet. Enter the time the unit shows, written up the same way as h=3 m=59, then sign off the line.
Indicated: h=7 m=44
